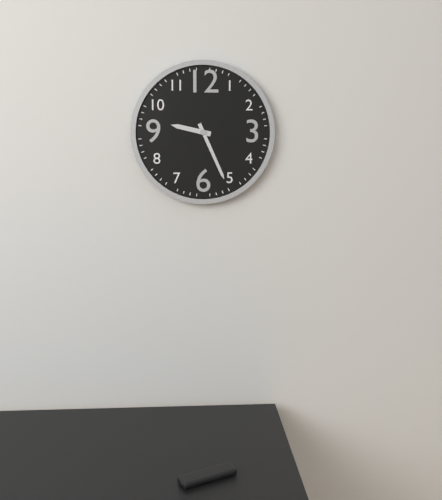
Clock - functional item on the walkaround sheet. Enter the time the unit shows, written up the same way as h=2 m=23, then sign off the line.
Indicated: h=9 m=26
